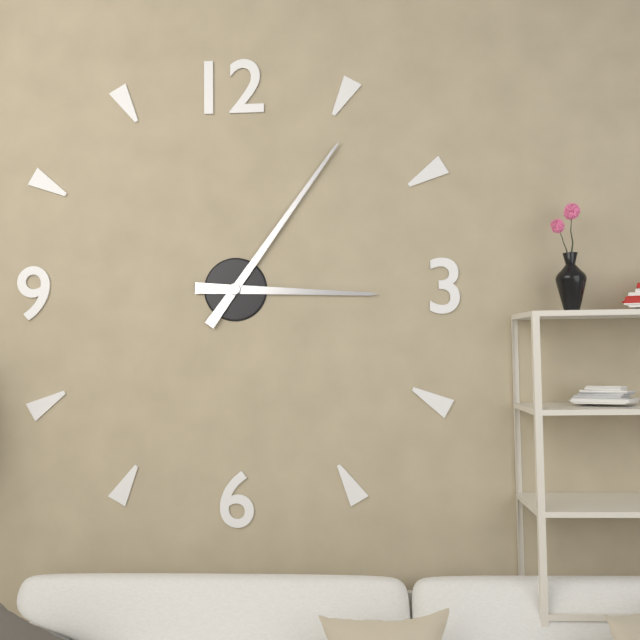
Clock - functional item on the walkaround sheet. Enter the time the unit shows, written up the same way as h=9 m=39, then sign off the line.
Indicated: h=3 m=6
